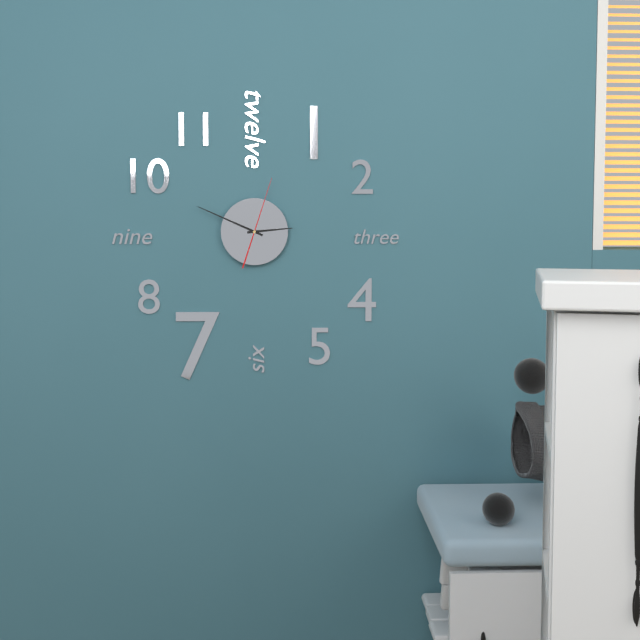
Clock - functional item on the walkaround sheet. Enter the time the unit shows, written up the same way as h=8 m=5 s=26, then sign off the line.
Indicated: h=2 m=49 s=3
